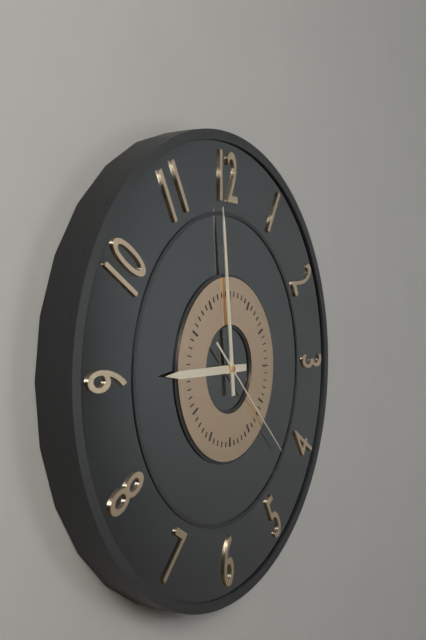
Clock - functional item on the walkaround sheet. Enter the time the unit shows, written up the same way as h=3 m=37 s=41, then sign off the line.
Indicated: h=8 m=59 s=22
